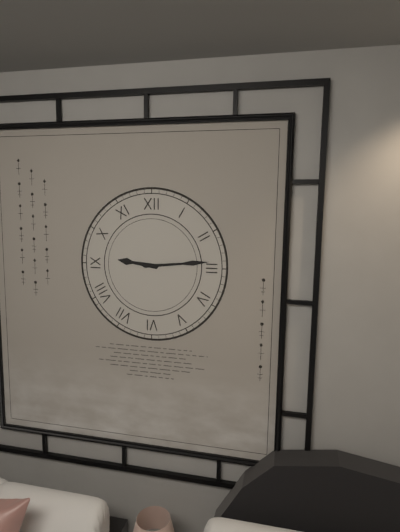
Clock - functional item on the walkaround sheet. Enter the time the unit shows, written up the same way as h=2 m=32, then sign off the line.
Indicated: h=9 m=14
